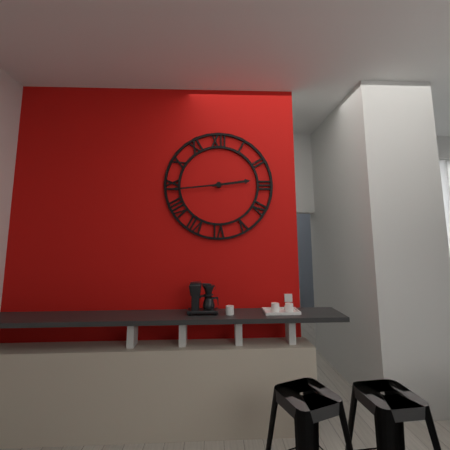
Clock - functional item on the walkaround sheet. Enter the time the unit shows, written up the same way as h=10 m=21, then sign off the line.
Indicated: h=2 m=44
